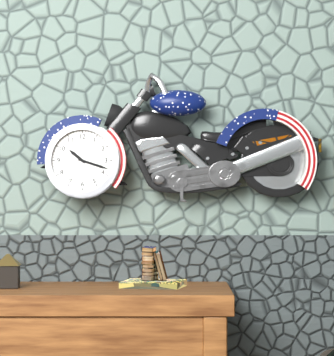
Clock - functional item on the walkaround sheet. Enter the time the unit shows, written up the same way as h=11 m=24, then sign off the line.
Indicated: h=10 m=18
